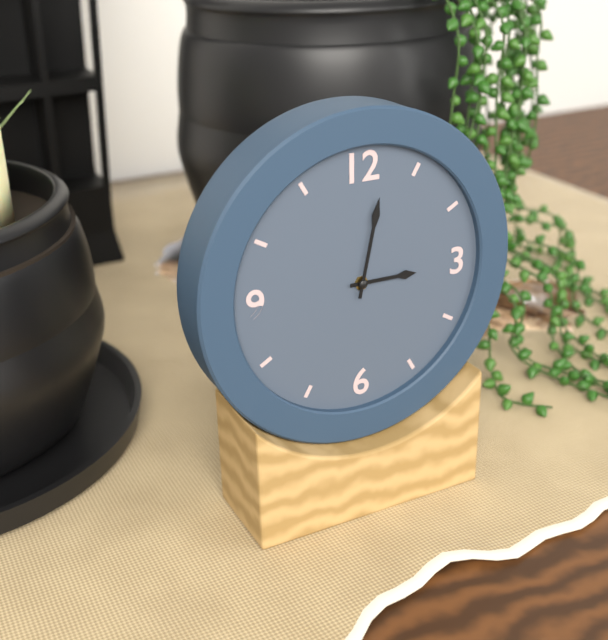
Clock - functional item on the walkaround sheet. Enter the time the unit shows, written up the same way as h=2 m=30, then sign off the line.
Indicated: h=3 m=2
